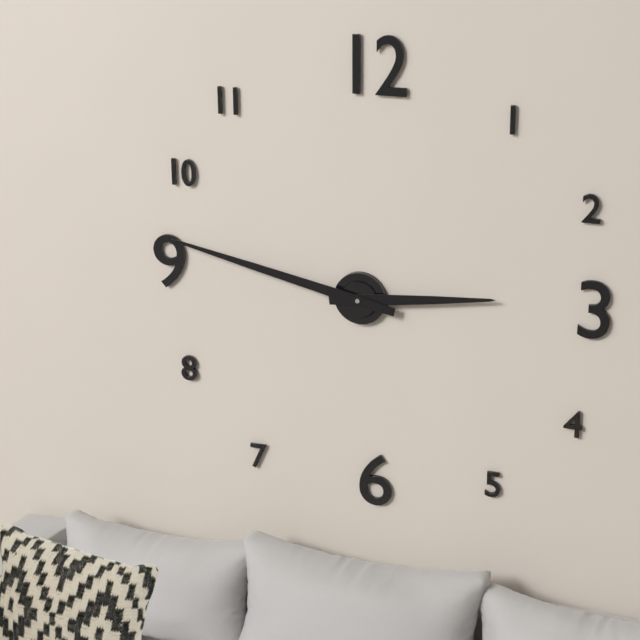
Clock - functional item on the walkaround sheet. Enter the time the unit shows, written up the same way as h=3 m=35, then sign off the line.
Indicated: h=2 m=47
